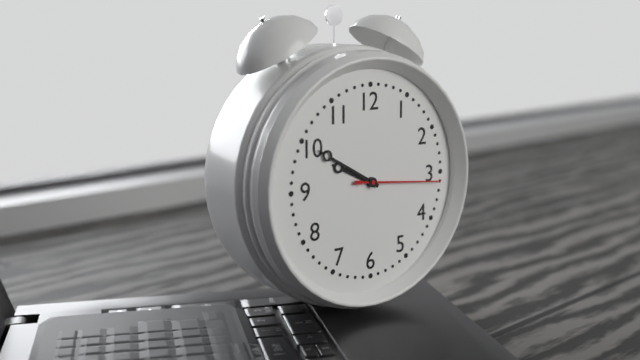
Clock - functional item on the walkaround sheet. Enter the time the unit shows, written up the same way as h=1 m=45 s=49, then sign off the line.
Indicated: h=9 m=50 s=16
